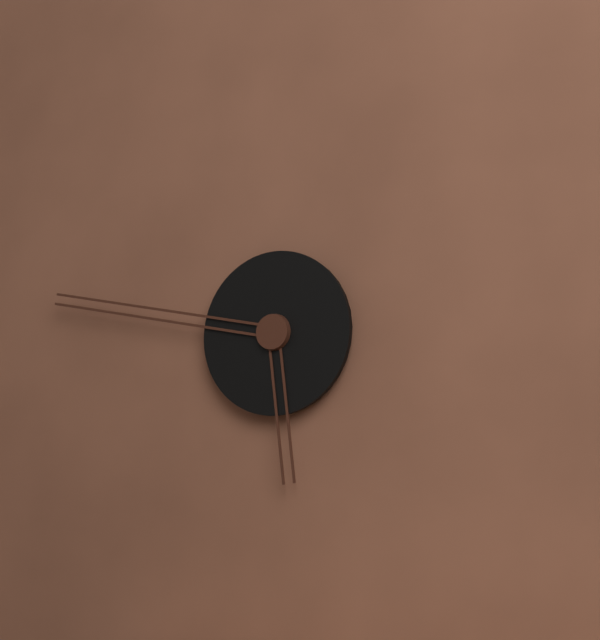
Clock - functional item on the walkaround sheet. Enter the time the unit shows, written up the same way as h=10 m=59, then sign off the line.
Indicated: h=5 m=47
